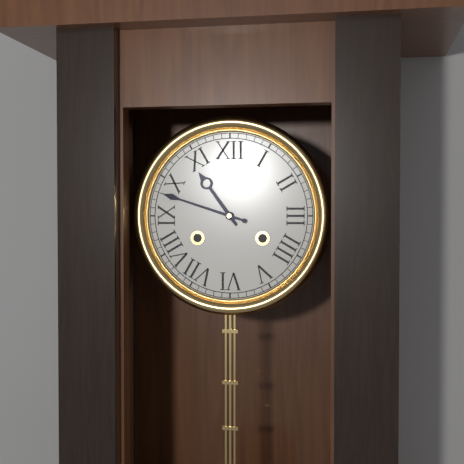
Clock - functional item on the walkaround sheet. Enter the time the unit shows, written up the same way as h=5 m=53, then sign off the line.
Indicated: h=10 m=48
